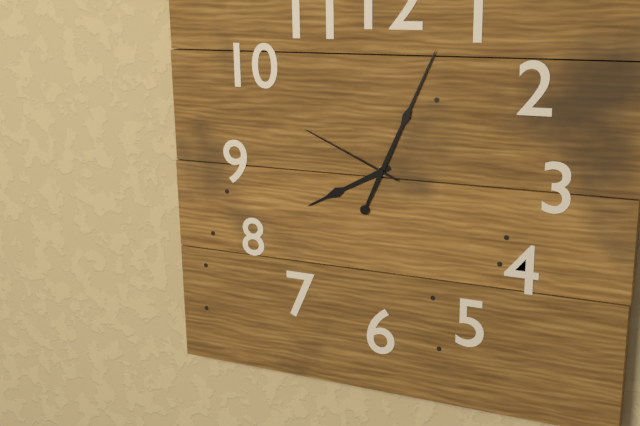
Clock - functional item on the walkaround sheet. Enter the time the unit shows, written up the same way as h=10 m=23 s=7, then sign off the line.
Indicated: h=8 m=4 s=49
